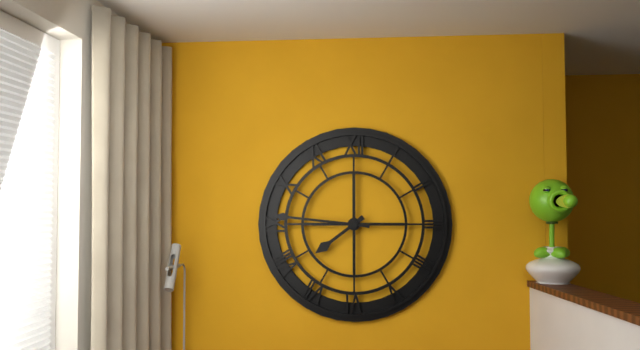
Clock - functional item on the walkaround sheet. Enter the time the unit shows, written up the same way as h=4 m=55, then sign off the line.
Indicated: h=7 m=46
